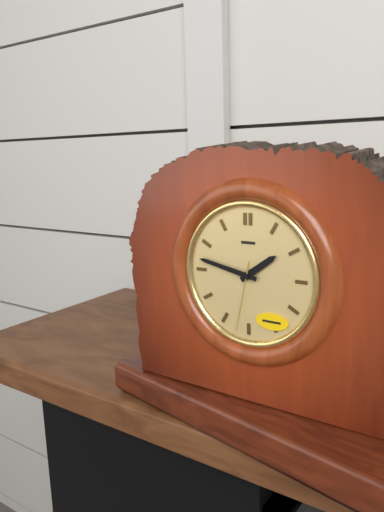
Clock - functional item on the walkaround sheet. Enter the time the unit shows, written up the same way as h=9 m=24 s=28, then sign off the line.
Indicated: h=1 m=47 s=32
